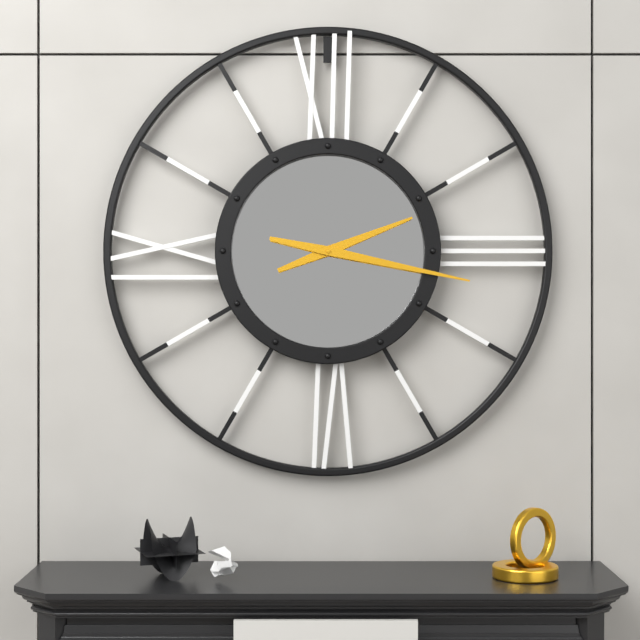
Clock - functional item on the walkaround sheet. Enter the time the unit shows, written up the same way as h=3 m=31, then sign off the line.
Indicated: h=2 m=17
